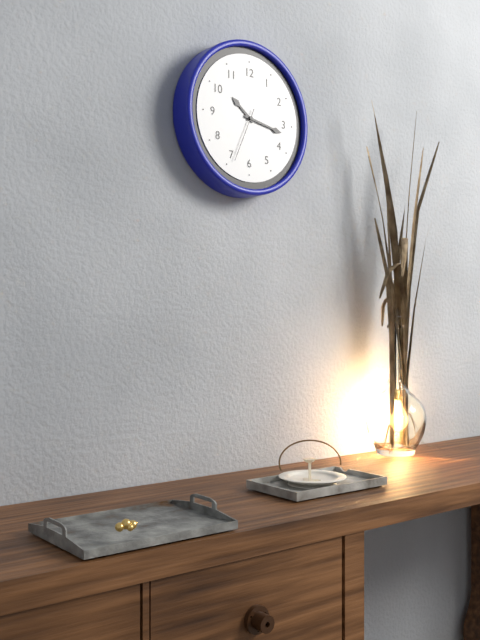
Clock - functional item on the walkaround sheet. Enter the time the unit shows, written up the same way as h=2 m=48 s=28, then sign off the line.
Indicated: h=10 m=17 s=34
